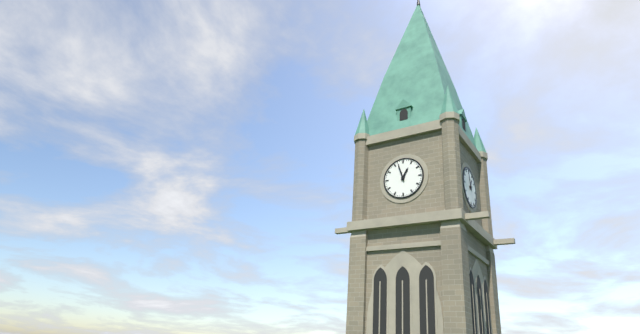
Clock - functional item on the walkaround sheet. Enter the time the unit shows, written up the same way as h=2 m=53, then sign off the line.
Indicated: h=12 m=57
